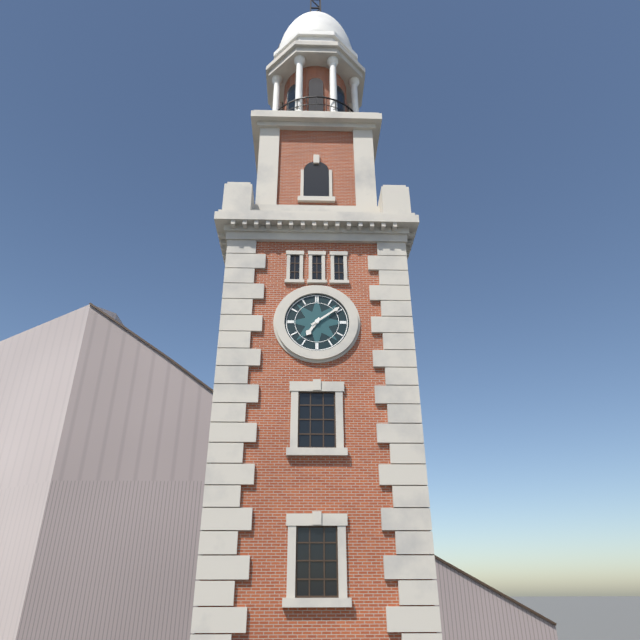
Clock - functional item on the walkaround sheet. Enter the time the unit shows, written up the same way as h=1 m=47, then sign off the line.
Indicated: h=7 m=9
